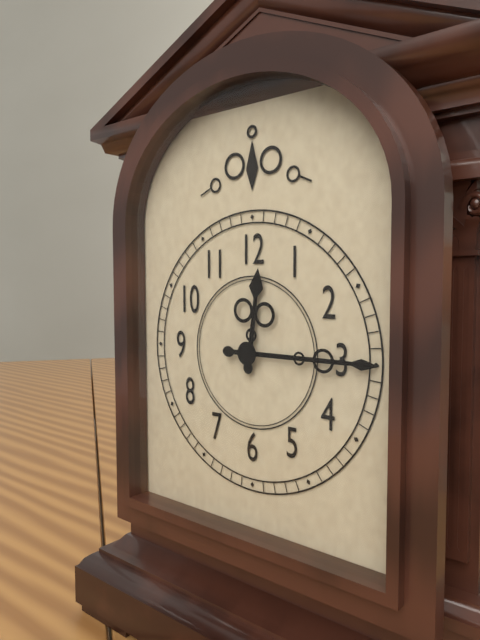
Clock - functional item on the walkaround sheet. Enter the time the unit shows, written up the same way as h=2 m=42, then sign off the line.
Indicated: h=12 m=15
